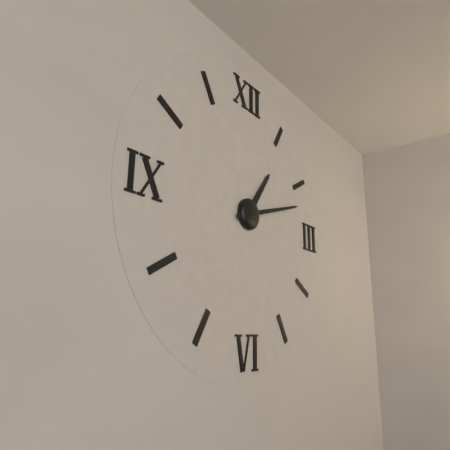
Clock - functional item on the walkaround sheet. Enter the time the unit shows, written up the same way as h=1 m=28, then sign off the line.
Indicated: h=1 m=12
